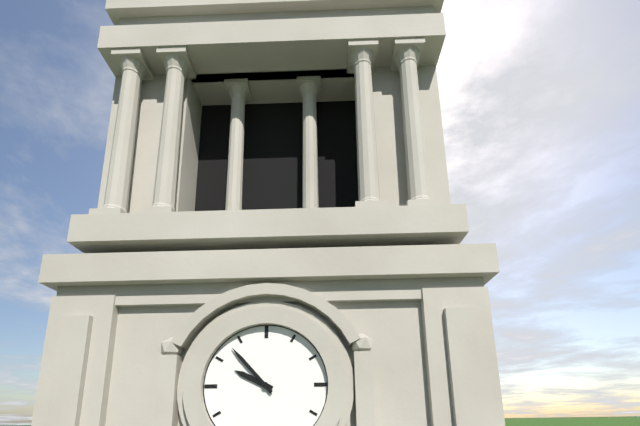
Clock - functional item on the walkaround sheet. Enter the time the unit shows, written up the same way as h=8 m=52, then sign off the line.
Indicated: h=9 m=53
